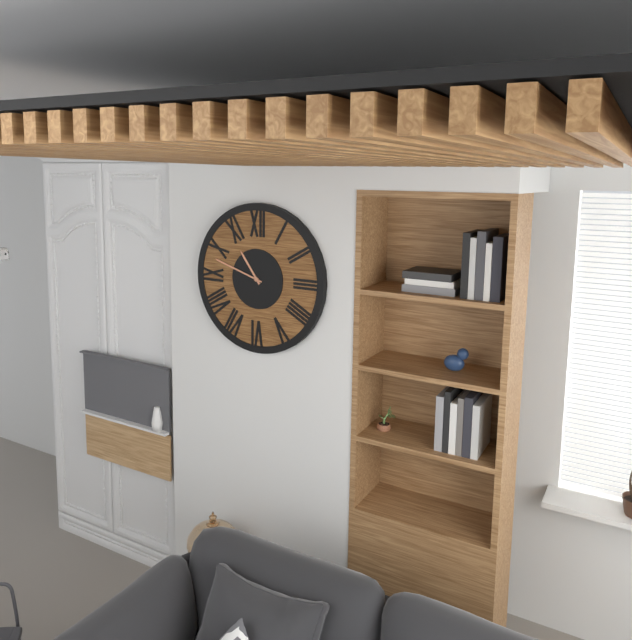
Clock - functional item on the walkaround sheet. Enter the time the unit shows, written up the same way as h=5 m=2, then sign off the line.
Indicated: h=10 m=48
